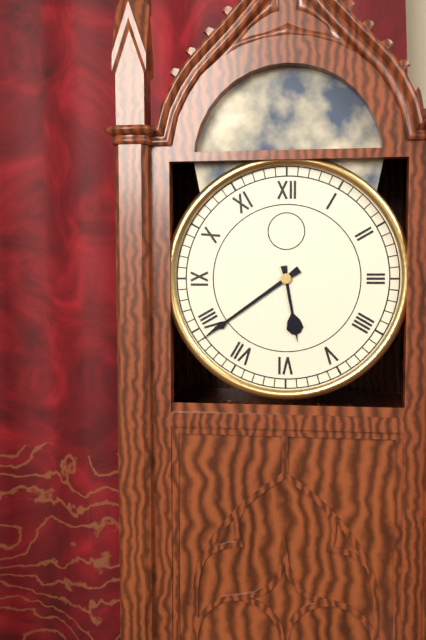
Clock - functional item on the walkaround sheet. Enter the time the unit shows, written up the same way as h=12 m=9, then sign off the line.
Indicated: h=5 m=39
